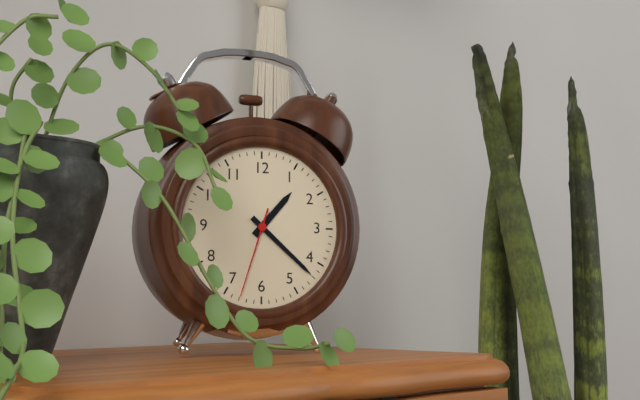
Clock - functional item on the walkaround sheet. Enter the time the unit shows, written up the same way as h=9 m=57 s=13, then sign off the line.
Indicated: h=1 m=22 s=33
